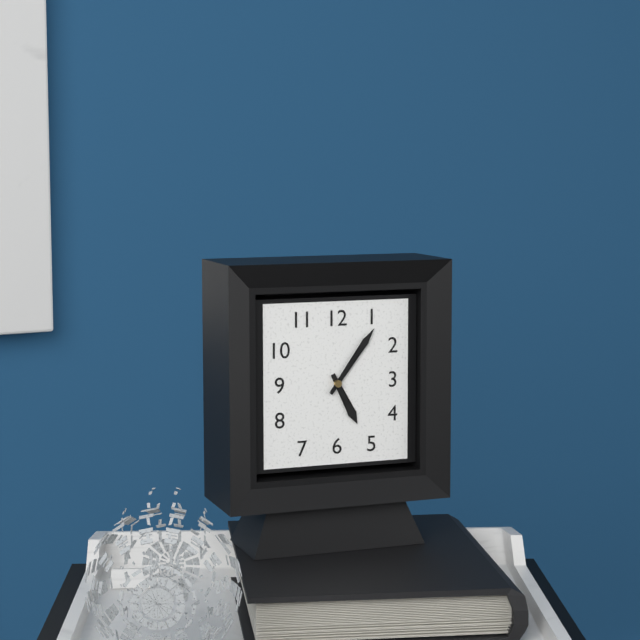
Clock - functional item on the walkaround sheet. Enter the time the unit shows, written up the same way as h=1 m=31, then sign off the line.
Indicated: h=5 m=6
